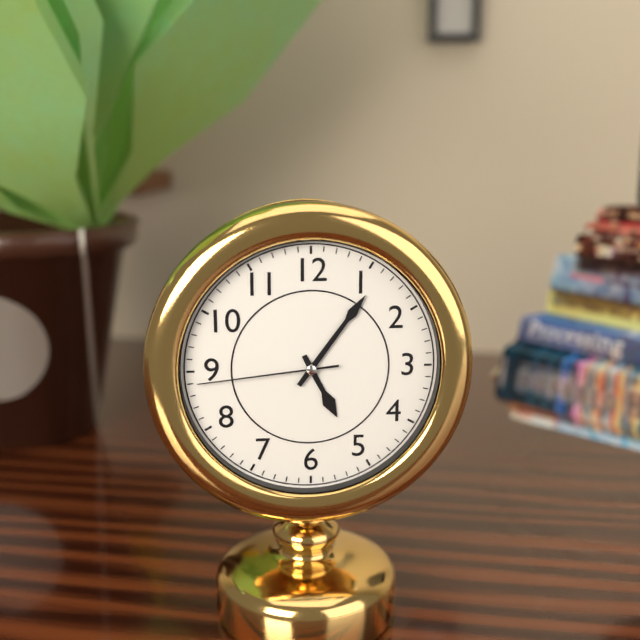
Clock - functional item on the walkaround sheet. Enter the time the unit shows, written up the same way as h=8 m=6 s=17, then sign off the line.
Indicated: h=5 m=6 s=44
